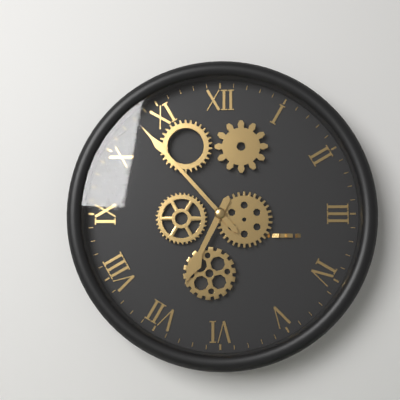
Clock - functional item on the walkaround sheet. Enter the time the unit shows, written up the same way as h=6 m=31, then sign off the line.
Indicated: h=6 m=53
